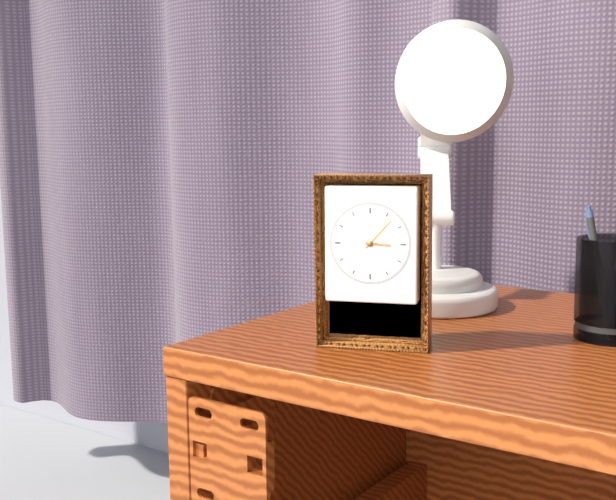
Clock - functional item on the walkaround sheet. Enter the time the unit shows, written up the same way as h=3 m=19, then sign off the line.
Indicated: h=3 m=7
